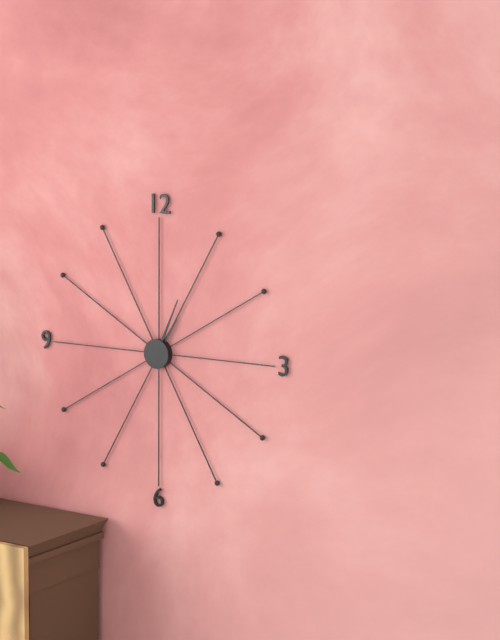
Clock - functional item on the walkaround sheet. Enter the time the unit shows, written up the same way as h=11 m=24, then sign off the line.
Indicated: h=1 m=4
